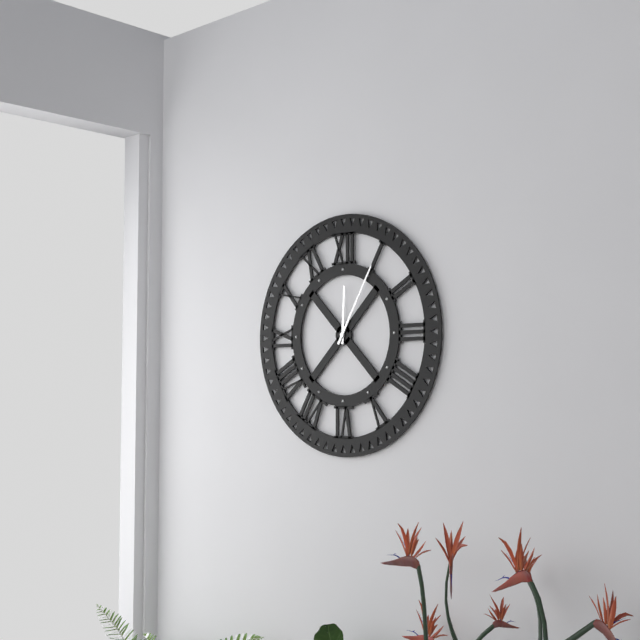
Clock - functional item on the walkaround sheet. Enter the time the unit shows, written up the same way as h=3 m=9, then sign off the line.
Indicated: h=12 m=5
